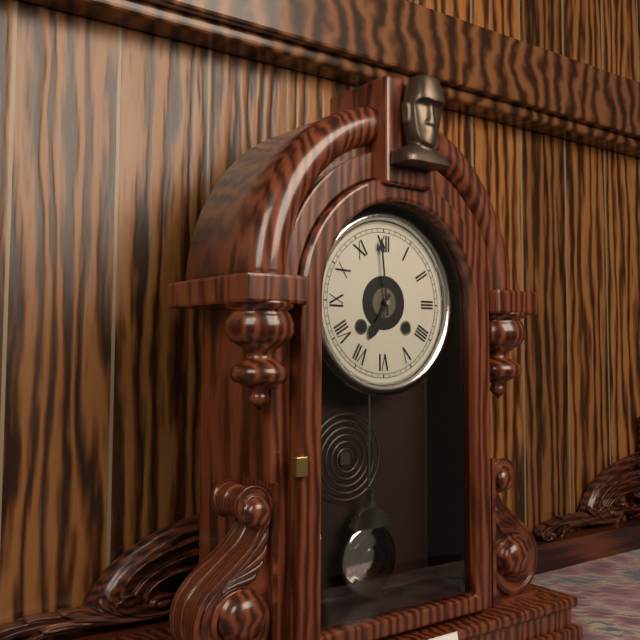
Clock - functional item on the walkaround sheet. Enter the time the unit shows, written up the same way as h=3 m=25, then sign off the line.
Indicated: h=6 m=59
